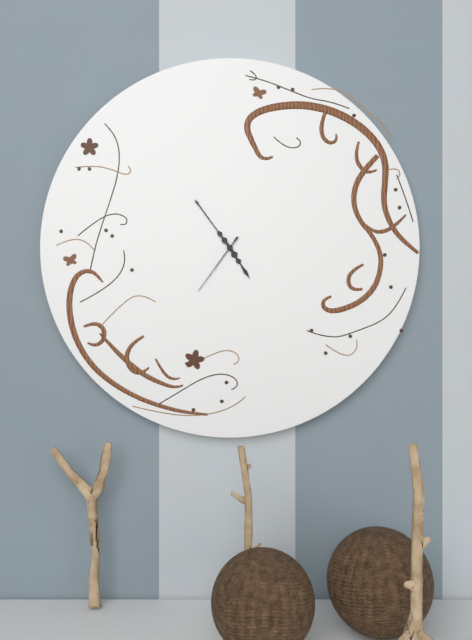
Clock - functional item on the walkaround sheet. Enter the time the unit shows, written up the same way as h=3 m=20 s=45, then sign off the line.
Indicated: h=4 m=54 s=36
